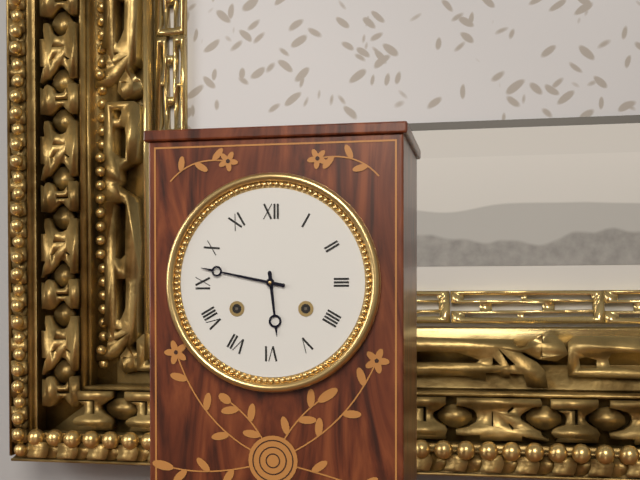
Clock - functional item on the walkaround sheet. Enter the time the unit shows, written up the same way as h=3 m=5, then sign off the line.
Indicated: h=5 m=47
